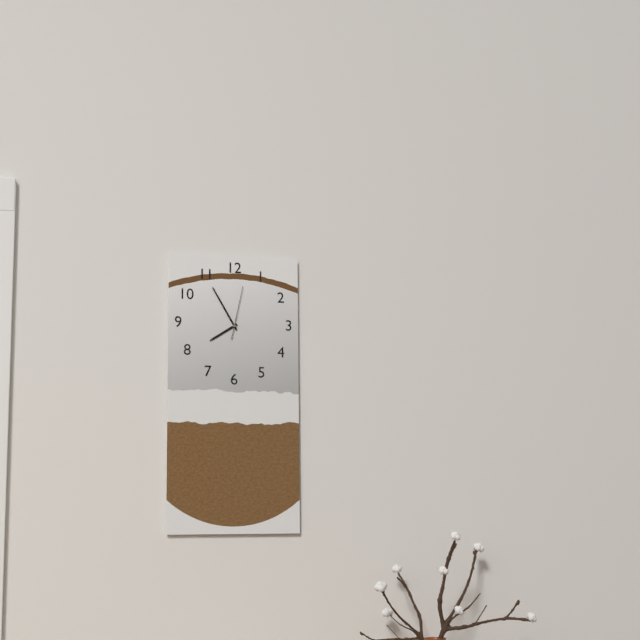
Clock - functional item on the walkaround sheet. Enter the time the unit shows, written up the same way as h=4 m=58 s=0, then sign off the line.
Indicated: h=7 m=55 s=2
